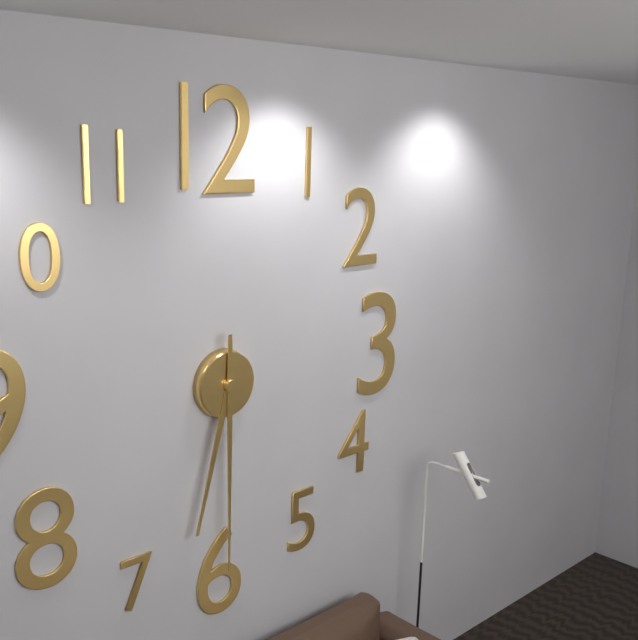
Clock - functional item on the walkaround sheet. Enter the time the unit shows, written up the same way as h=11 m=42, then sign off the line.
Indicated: h=6 m=30
